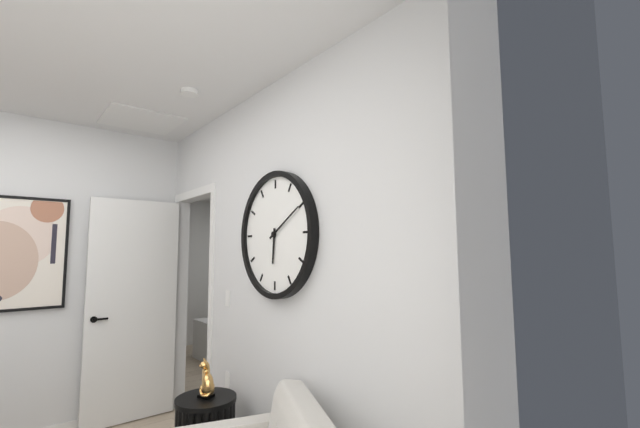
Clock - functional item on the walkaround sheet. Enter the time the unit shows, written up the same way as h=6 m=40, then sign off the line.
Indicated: h=6 m=10
